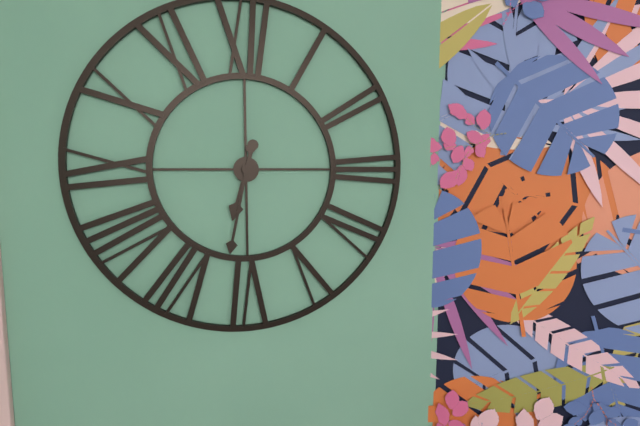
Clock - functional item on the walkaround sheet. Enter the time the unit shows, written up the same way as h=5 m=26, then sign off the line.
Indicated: h=6 m=32
